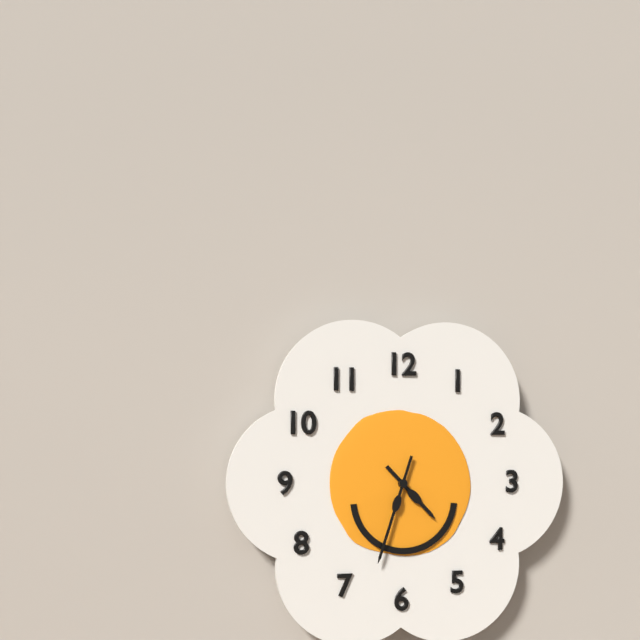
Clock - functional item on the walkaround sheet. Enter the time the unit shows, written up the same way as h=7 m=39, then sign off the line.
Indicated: h=4 m=33
